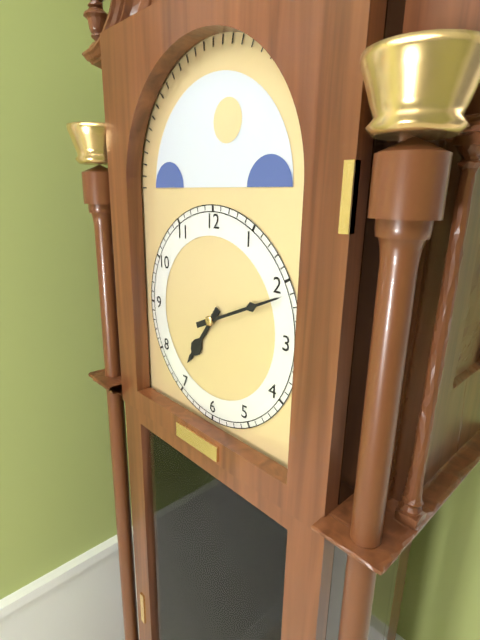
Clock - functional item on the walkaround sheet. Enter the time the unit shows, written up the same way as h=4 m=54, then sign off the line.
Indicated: h=7 m=11
